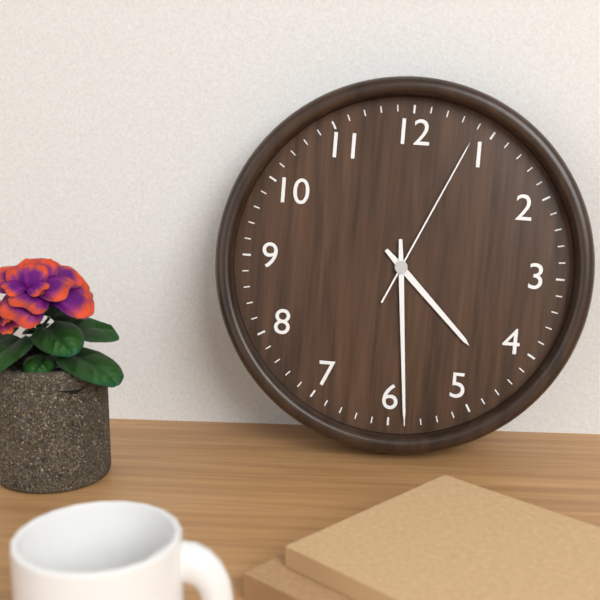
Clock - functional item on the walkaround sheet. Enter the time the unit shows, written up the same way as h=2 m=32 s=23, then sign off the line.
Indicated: h=4 m=29 s=4
